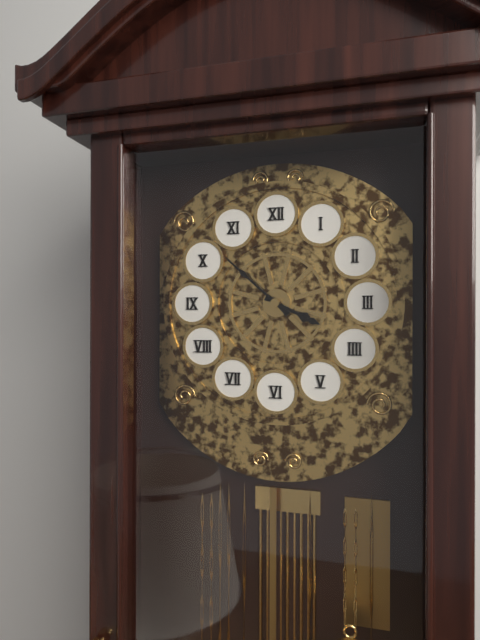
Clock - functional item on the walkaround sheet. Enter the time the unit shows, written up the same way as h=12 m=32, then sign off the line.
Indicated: h=3 m=52
